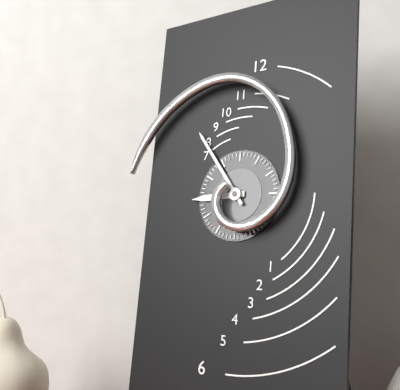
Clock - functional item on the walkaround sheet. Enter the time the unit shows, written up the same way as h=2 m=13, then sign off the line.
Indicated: h=8 m=54
